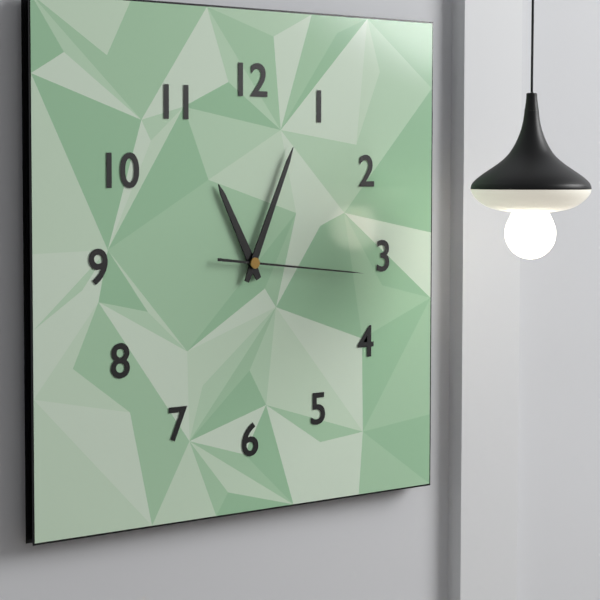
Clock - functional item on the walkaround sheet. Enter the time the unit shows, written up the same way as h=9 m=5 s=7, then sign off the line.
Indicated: h=11 m=4 s=16
